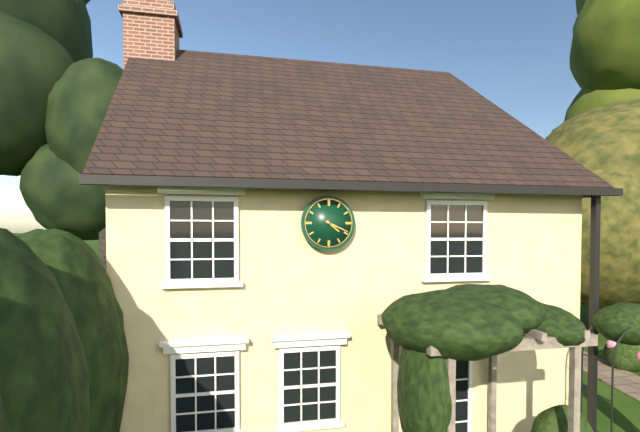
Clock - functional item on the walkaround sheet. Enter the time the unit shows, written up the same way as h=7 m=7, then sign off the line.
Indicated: h=4 m=19
